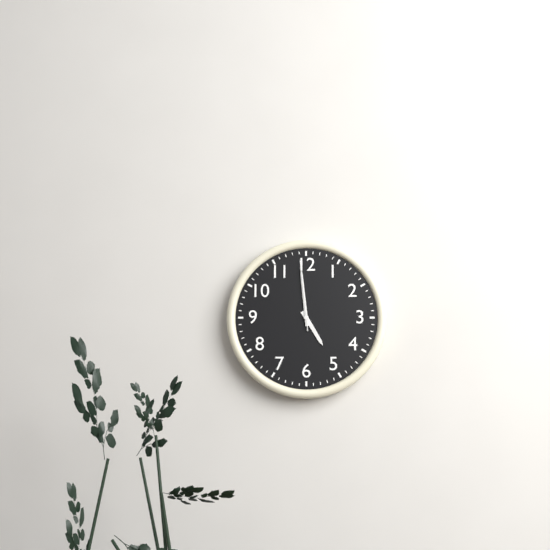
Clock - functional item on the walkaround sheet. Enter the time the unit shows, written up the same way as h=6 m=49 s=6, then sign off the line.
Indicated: h=4 m=59 s=59
